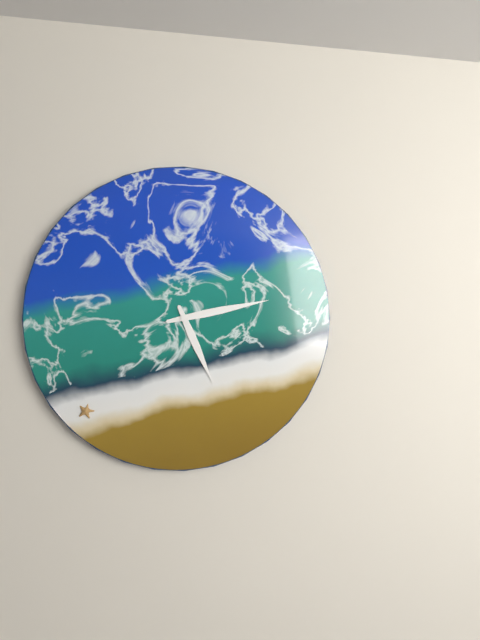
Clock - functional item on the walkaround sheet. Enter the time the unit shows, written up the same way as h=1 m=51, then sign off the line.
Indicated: h=5 m=13
